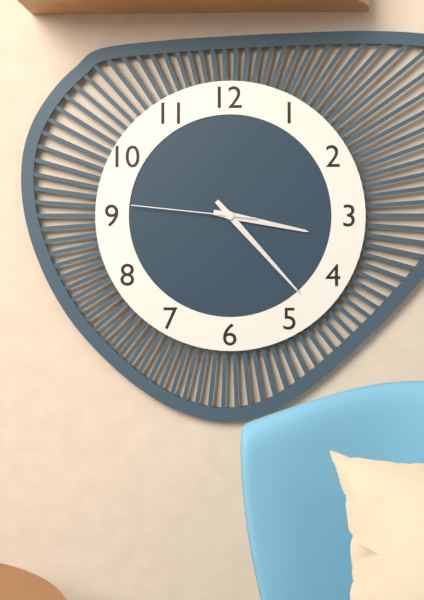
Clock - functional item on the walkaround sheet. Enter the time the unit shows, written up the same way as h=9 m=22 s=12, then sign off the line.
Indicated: h=3 m=23 s=46
